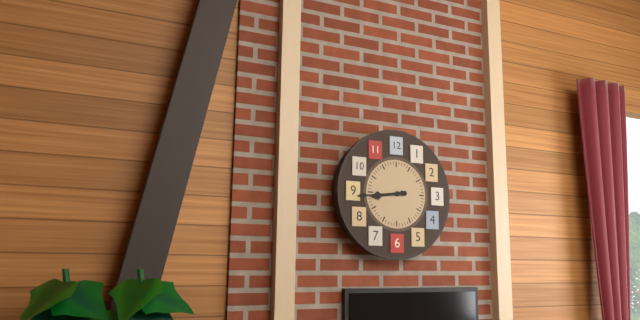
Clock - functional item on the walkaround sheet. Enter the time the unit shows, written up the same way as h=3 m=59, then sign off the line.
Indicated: h=8 m=44
